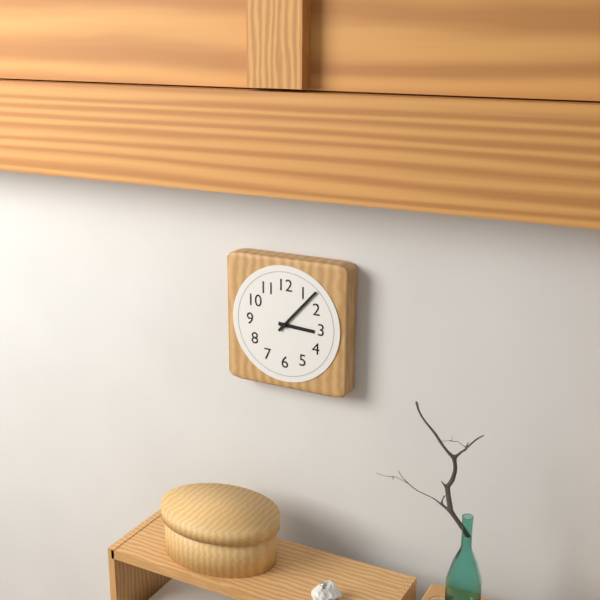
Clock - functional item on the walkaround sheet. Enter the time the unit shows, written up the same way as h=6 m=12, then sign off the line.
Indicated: h=3 m=7
